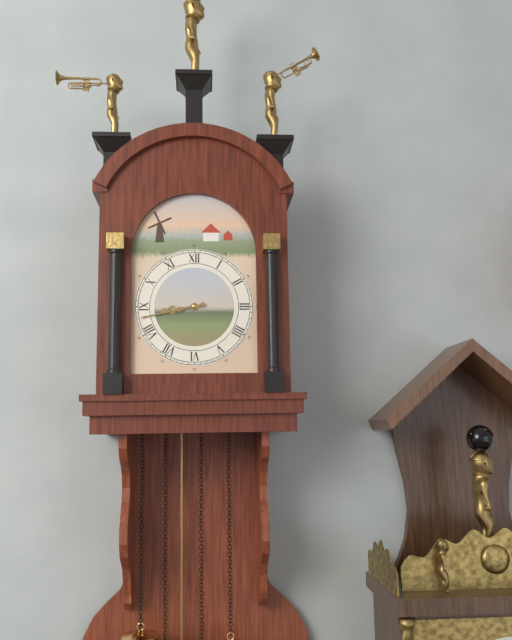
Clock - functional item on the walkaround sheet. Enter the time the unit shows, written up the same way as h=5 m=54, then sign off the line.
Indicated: h=8 m=43
